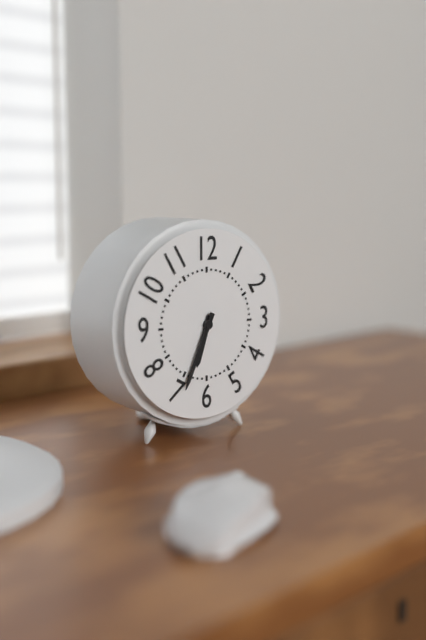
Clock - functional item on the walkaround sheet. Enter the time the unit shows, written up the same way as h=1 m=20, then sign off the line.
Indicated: h=6 m=34
